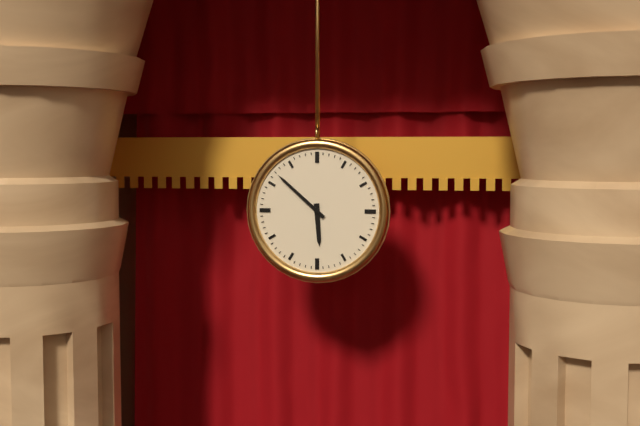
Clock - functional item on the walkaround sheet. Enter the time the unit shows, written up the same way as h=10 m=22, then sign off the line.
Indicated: h=5 m=52
